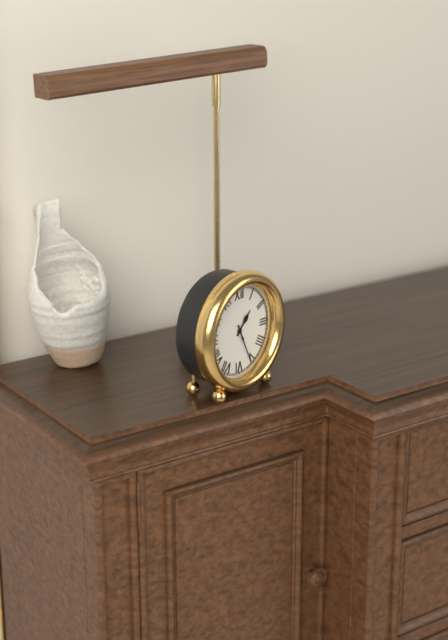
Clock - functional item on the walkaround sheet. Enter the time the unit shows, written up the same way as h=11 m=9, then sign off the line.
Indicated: h=1 m=26
